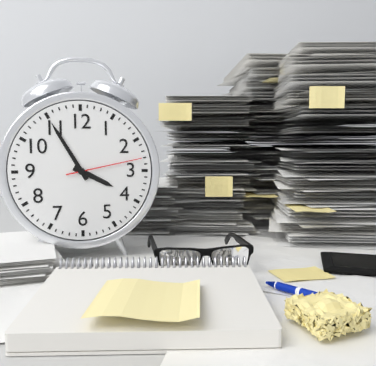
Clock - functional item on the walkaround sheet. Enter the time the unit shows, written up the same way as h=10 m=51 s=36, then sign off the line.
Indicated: h=3 m=55 s=13
